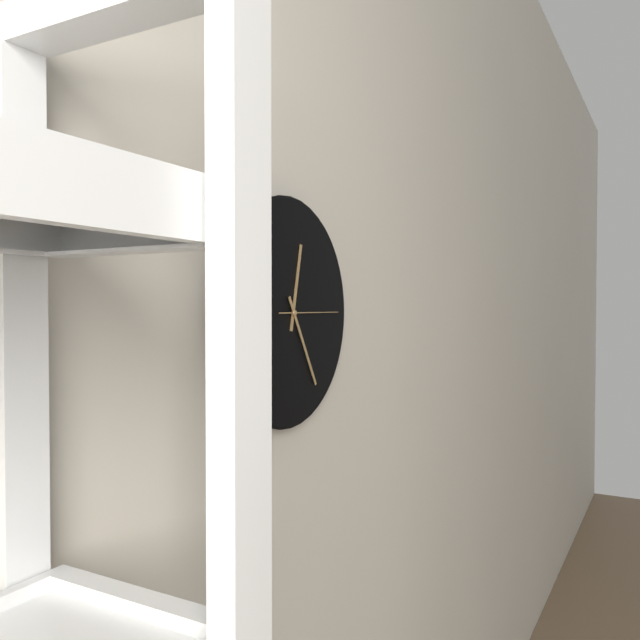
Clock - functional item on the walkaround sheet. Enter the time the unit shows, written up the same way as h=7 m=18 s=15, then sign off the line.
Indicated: h=12 m=25 s=15
